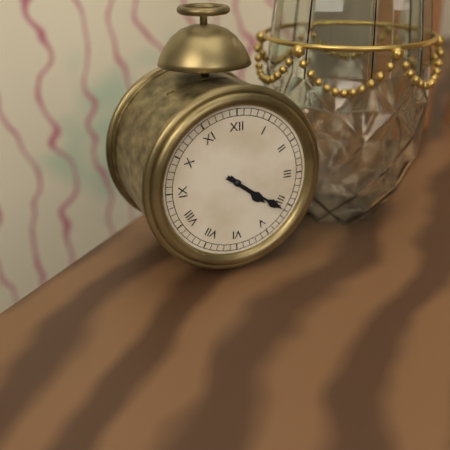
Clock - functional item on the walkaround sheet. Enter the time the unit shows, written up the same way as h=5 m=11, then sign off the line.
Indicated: h=4 m=21
